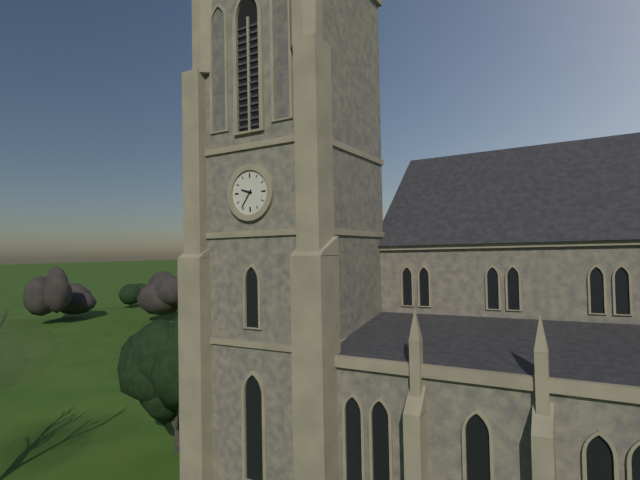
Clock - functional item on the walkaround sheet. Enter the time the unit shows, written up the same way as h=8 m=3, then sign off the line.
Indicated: h=9 m=36
